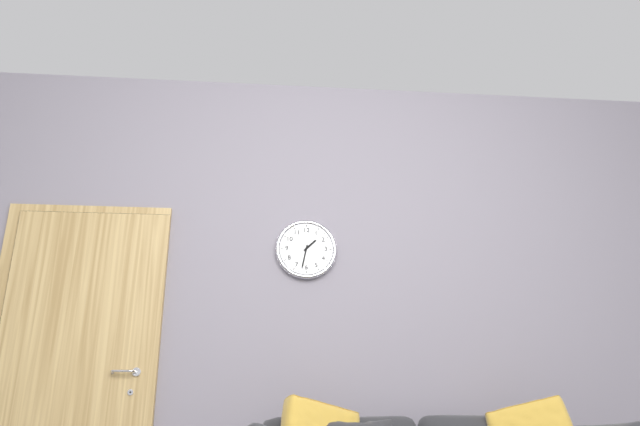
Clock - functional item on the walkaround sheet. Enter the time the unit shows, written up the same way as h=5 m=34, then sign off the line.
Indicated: h=1 m=32
